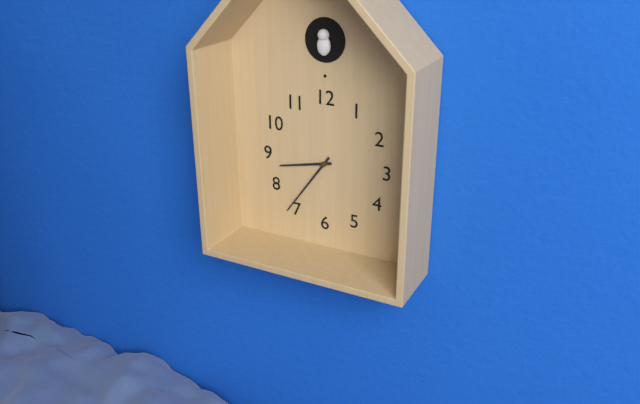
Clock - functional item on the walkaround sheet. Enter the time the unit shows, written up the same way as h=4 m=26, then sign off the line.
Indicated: h=8 m=36
